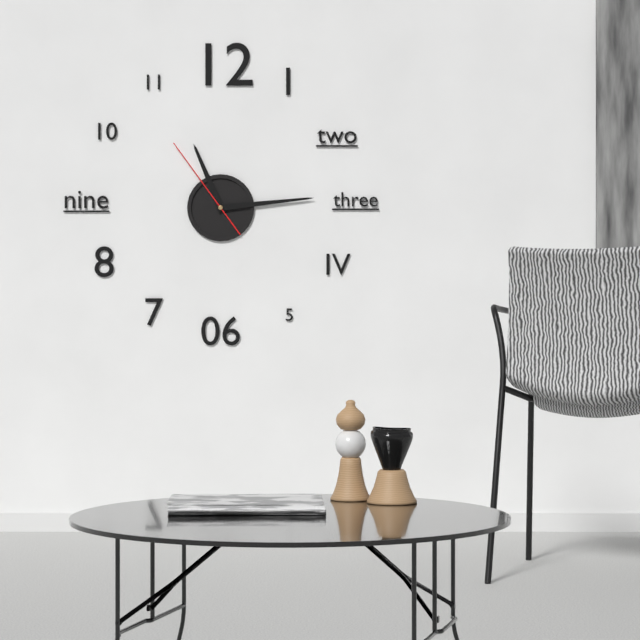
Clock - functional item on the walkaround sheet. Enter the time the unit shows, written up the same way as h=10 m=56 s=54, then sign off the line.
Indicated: h=11 m=14 s=54
